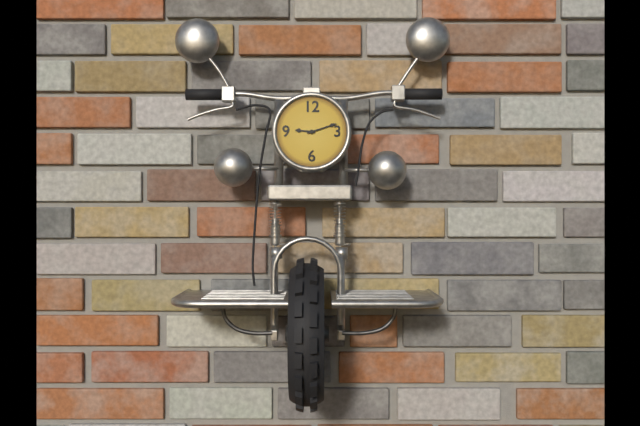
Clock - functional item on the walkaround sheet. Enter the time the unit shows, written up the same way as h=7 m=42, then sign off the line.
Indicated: h=9 m=12
